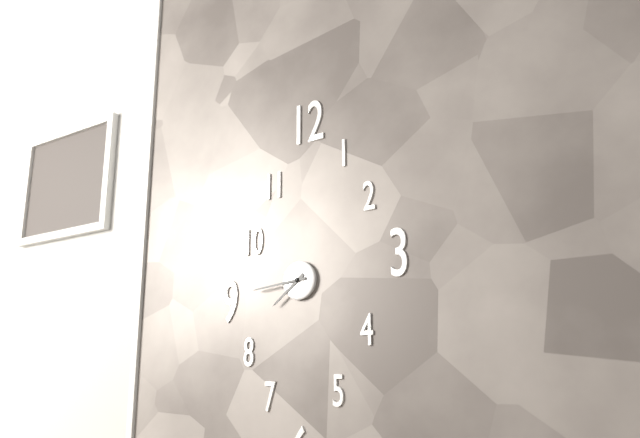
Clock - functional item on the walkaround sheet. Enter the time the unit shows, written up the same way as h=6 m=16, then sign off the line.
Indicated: h=7 m=44
